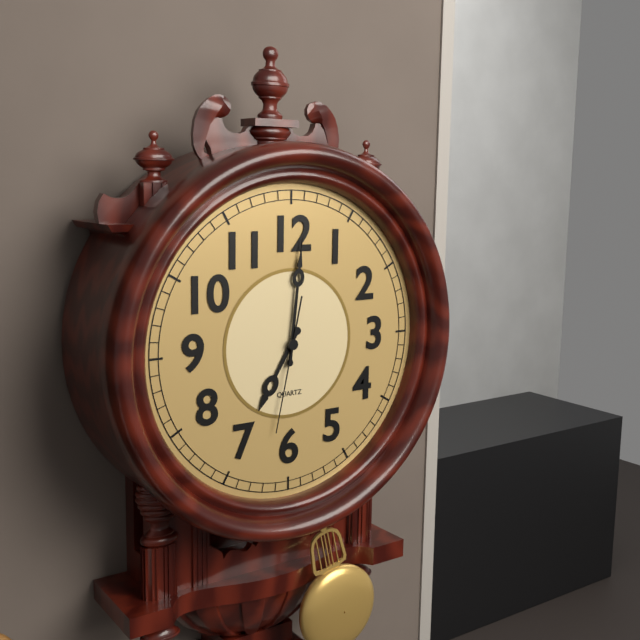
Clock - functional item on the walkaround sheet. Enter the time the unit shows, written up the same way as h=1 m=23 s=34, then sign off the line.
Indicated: h=7 m=1 s=32
